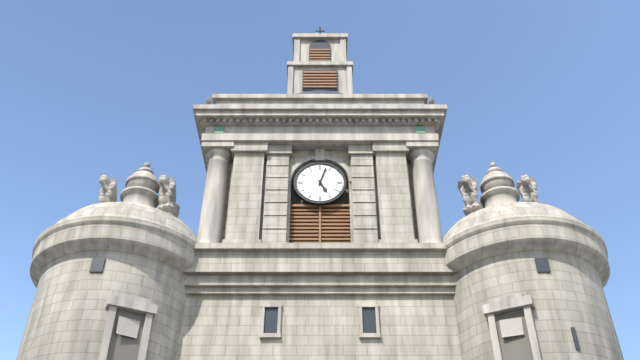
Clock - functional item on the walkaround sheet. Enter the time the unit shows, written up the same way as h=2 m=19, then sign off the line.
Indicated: h=5 m=3
